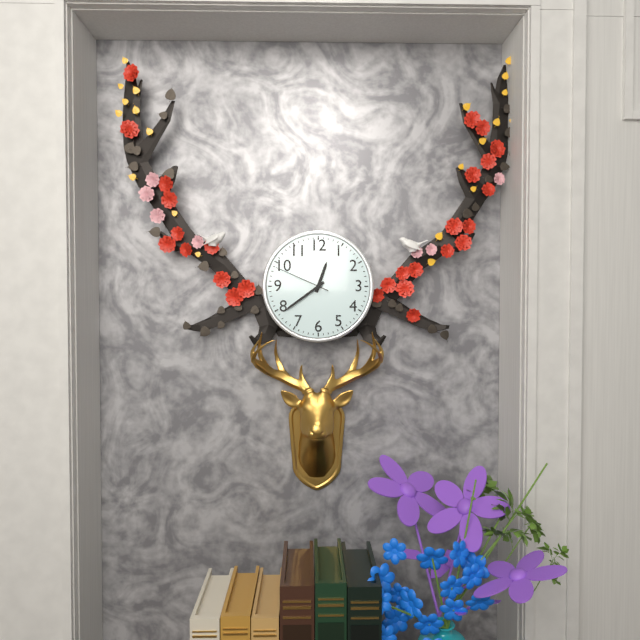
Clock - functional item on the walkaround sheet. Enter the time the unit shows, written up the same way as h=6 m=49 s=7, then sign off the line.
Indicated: h=12 m=39 s=49
